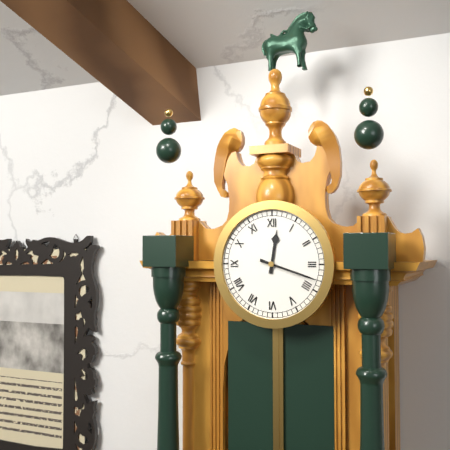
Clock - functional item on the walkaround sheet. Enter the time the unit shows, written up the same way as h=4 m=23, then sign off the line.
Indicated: h=12 m=18
